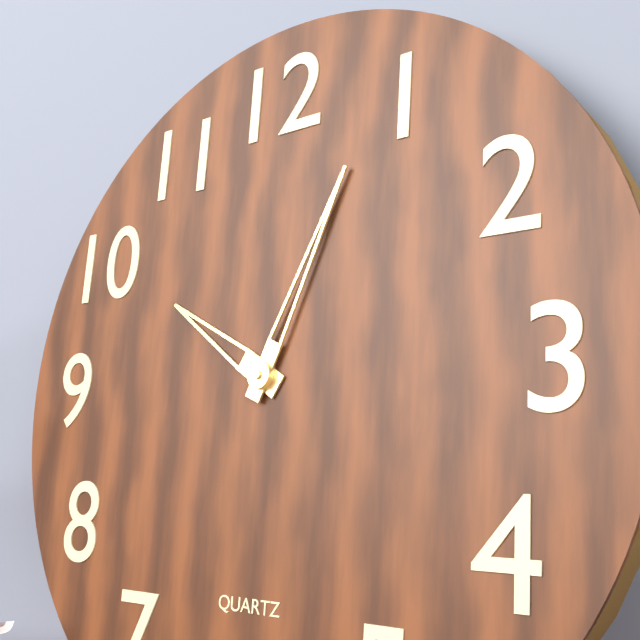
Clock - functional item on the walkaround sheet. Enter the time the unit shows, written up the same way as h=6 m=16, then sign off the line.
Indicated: h=10 m=4
